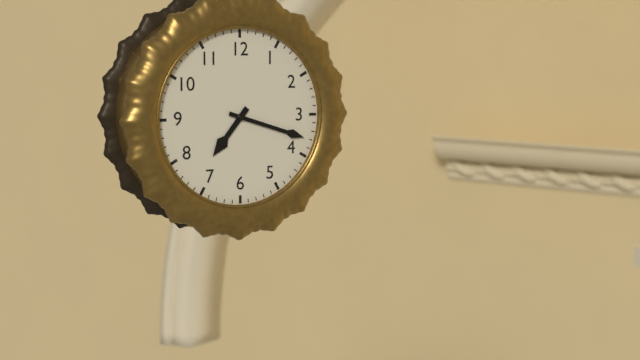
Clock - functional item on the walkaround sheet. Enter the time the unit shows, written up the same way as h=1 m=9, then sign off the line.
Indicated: h=7 m=18
